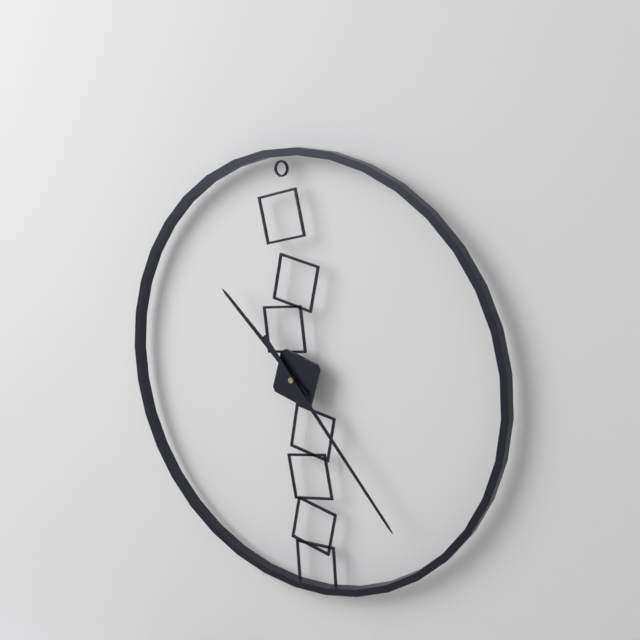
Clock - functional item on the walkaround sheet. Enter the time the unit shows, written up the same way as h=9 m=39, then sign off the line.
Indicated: h=10 m=23
